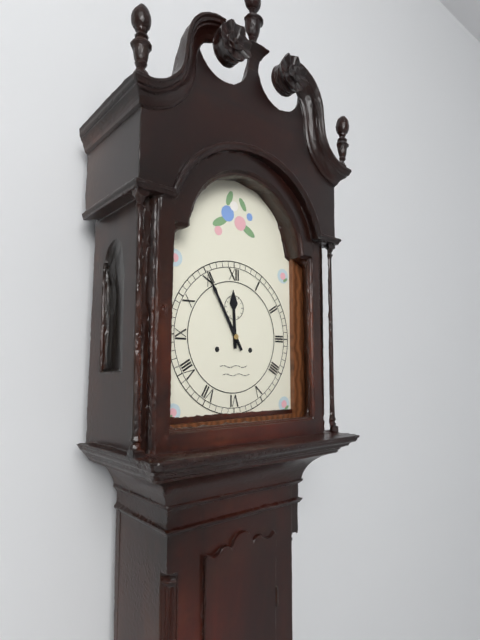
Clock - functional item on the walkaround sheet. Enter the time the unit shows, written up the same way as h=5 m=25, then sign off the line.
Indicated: h=11 m=55
